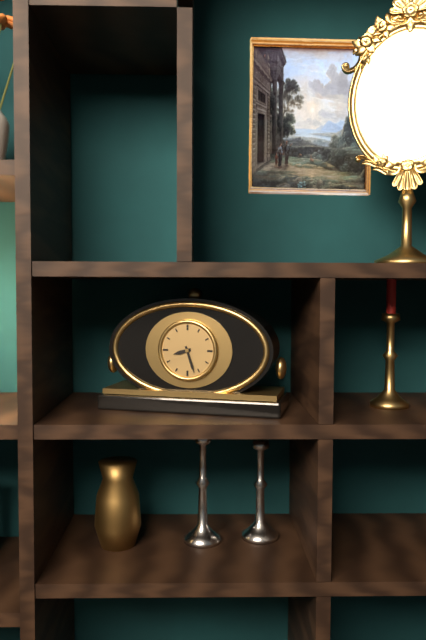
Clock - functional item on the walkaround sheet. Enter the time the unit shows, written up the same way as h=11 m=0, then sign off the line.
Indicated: h=8 m=27
